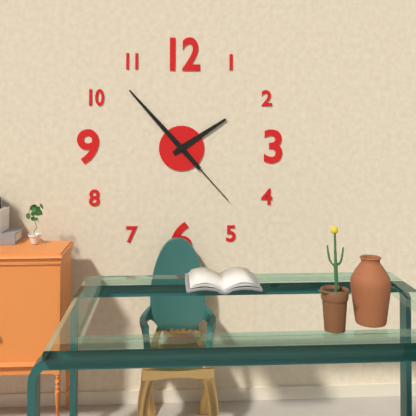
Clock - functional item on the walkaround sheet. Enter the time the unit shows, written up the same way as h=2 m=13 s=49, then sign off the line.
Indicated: h=1 m=53 s=23
